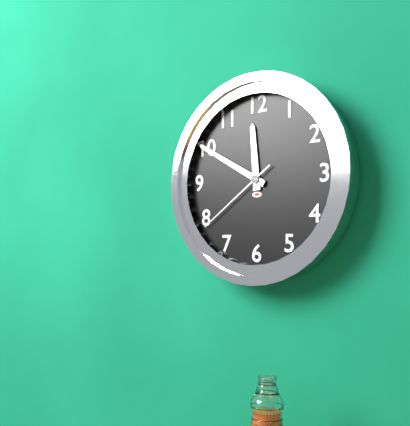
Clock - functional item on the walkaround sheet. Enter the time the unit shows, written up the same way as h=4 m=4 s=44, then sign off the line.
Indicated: h=11 m=50 s=39
